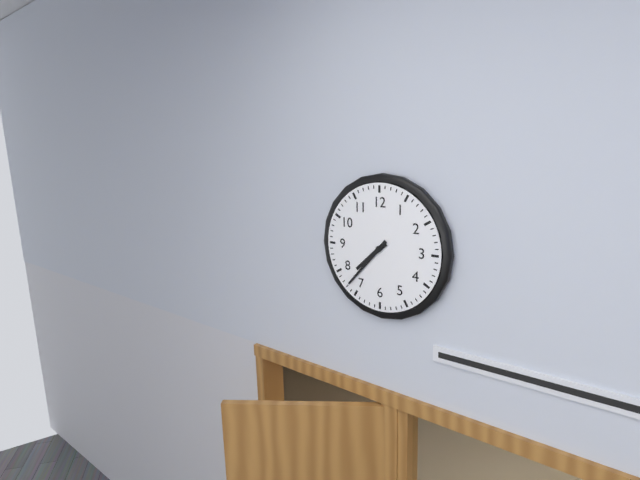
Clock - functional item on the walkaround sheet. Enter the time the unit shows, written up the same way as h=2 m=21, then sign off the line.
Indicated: h=7 m=37
